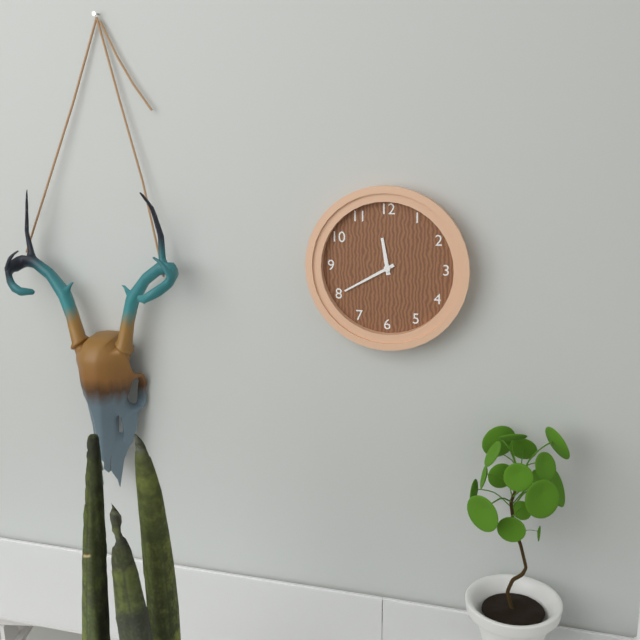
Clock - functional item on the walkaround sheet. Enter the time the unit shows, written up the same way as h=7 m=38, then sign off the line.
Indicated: h=11 m=40
